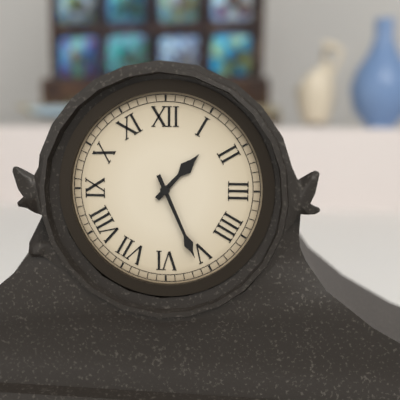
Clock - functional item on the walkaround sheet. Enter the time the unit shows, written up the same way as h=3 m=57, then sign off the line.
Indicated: h=1 m=26
